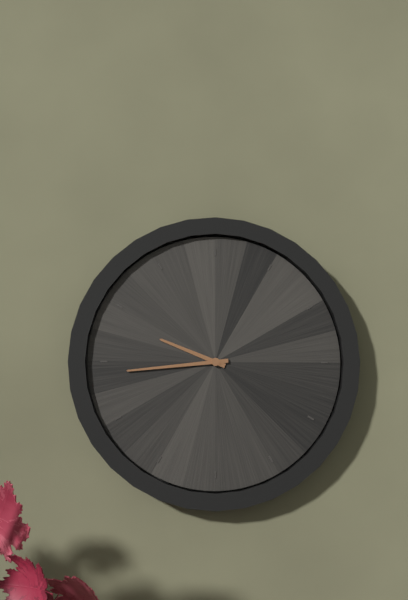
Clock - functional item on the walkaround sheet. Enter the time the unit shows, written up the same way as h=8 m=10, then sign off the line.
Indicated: h=9 m=44
